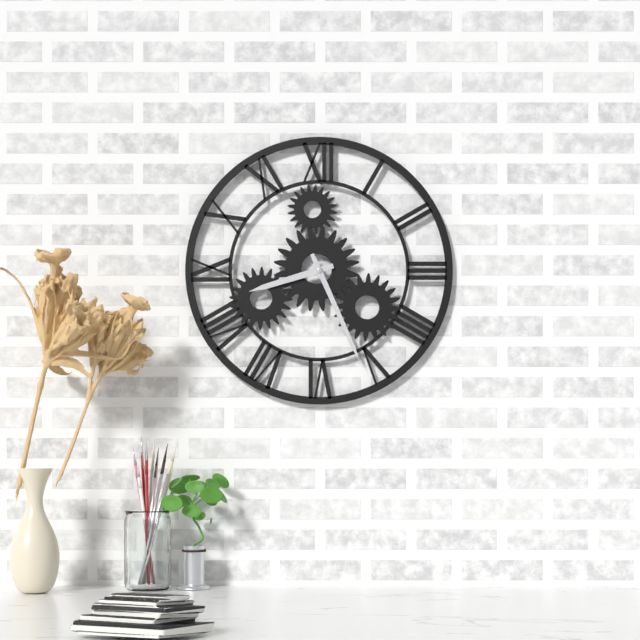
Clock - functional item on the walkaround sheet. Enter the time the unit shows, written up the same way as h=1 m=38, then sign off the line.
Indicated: h=8 m=26
